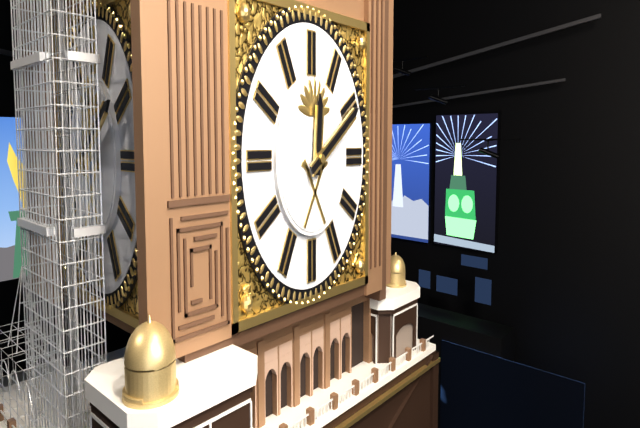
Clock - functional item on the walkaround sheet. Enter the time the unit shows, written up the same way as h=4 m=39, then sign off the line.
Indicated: h=12 m=10
